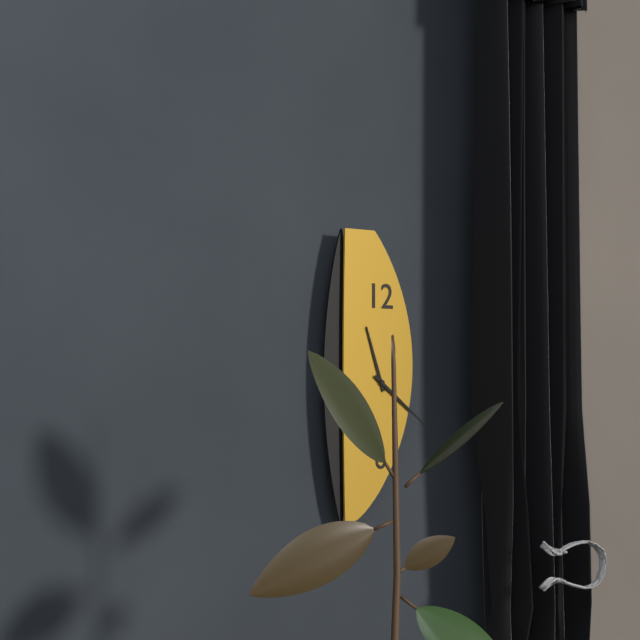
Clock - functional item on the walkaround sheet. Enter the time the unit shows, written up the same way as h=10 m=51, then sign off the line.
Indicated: h=11 m=21
